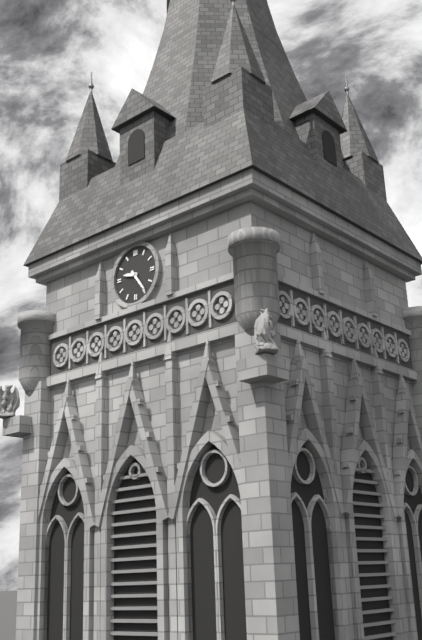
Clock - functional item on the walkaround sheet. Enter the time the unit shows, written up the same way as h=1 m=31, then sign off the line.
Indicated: h=9 m=24
